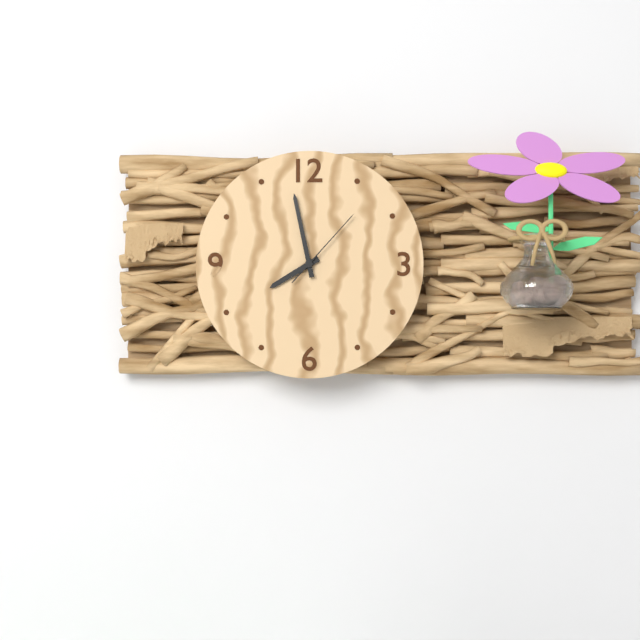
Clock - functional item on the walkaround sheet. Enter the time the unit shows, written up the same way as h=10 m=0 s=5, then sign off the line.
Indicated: h=7 m=58 s=7
